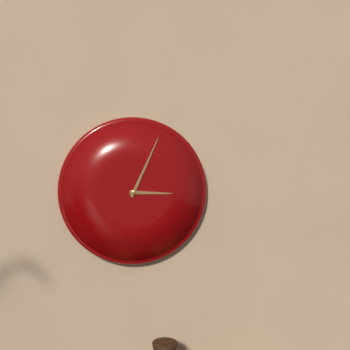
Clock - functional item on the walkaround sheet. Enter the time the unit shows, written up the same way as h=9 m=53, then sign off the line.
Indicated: h=3 m=4
